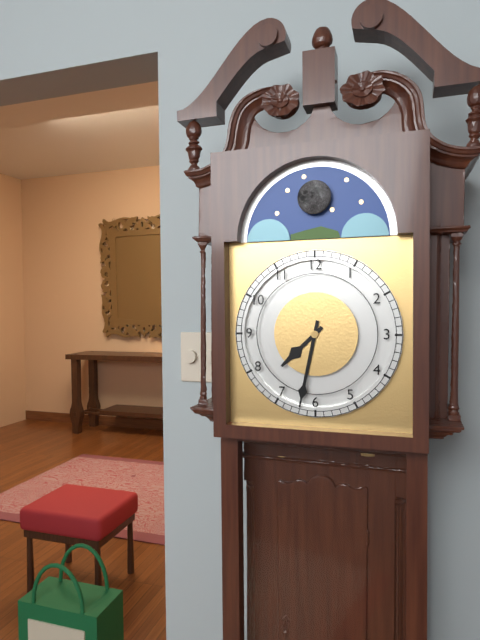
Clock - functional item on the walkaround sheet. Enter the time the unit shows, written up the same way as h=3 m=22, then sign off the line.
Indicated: h=7 m=32
